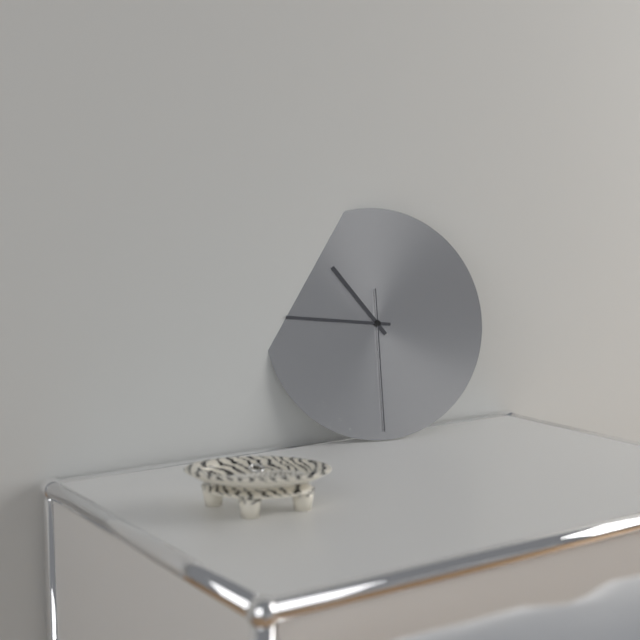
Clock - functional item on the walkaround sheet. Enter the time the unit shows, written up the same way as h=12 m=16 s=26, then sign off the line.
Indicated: h=10 m=46 s=30
